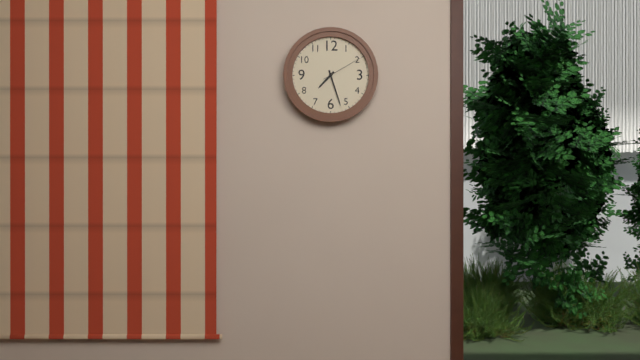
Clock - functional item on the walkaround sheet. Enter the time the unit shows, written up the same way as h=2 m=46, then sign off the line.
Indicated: h=7 m=27
